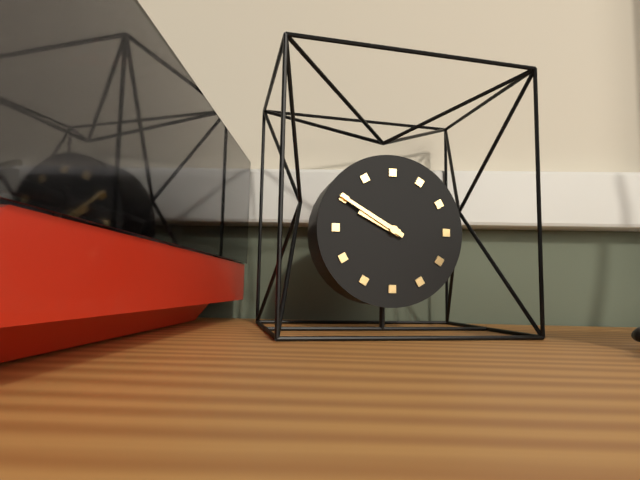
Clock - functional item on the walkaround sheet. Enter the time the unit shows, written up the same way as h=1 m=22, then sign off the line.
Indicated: h=9 m=50
